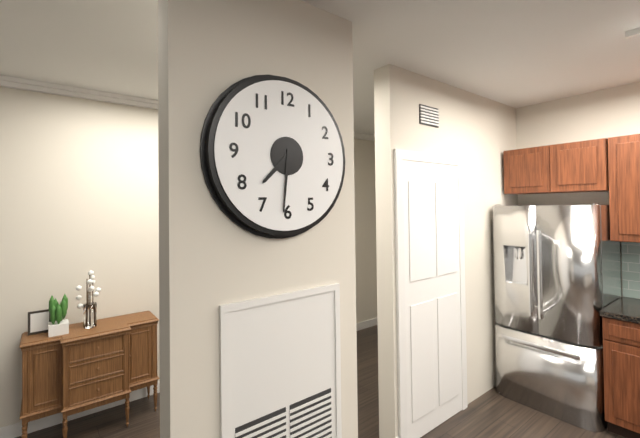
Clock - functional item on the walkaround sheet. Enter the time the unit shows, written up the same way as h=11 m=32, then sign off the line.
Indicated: h=7 m=31
